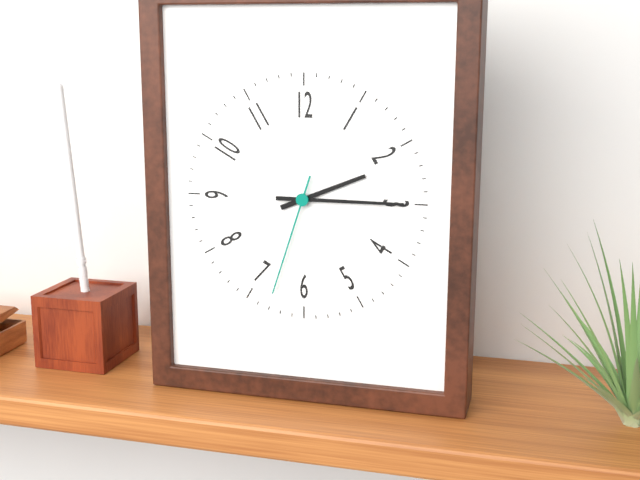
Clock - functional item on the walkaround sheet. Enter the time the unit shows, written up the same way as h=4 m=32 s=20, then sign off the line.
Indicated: h=2 m=15 s=33
